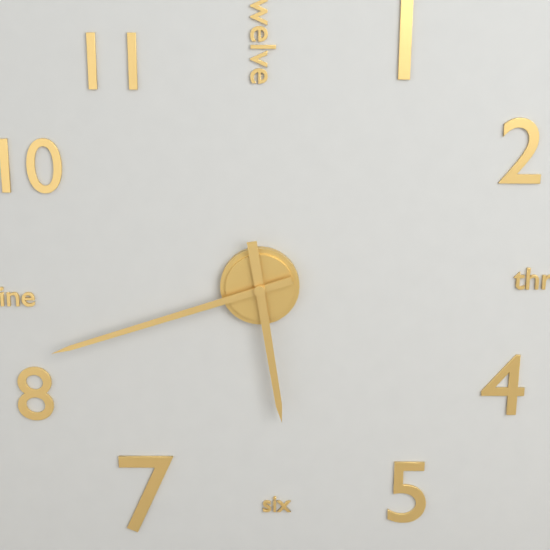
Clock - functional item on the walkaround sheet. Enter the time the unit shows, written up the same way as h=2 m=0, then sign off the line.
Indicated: h=5 m=42
